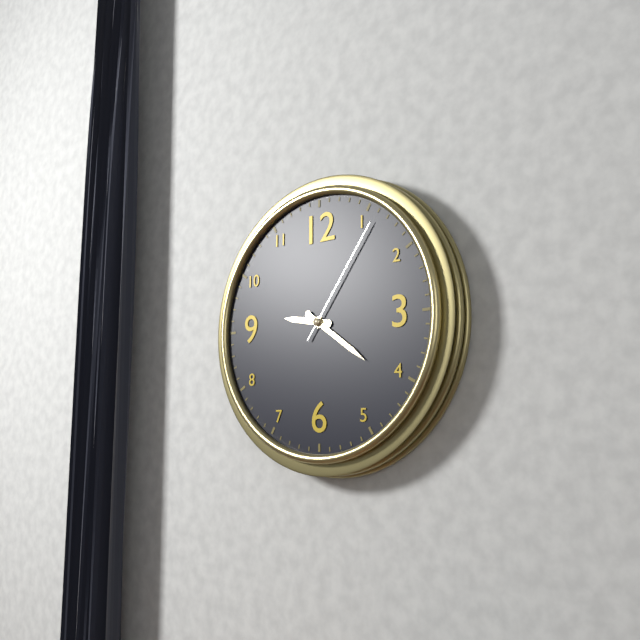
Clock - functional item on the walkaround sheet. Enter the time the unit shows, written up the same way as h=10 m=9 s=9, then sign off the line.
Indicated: h=9 m=21 s=6
